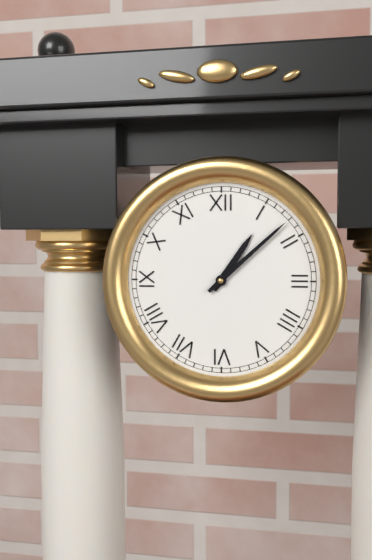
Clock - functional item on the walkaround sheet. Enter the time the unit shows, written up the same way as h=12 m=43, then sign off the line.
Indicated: h=1 m=8
